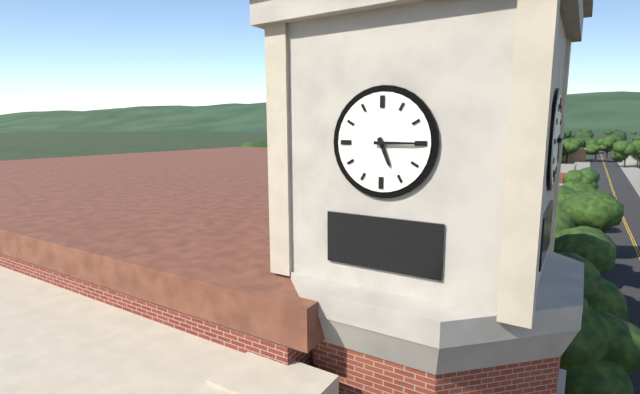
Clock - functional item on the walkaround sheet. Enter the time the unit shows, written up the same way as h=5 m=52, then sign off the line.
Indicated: h=5 m=15
